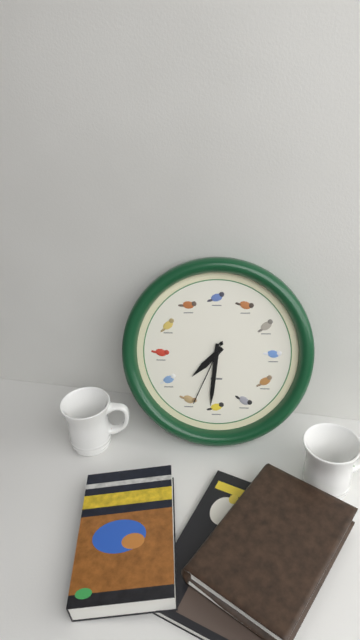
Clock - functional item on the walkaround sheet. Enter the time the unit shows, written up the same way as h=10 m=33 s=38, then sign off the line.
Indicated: h=7 m=31 s=34
